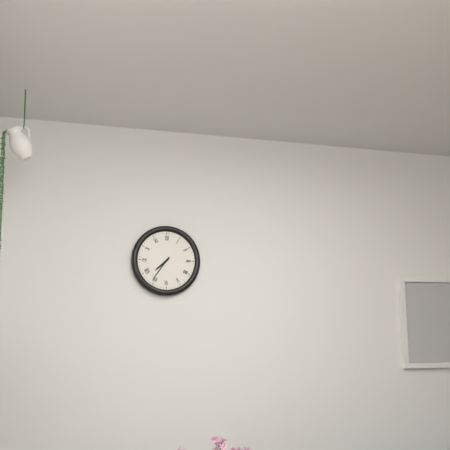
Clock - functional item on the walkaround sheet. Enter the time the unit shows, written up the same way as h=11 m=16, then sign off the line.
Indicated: h=7 m=36
